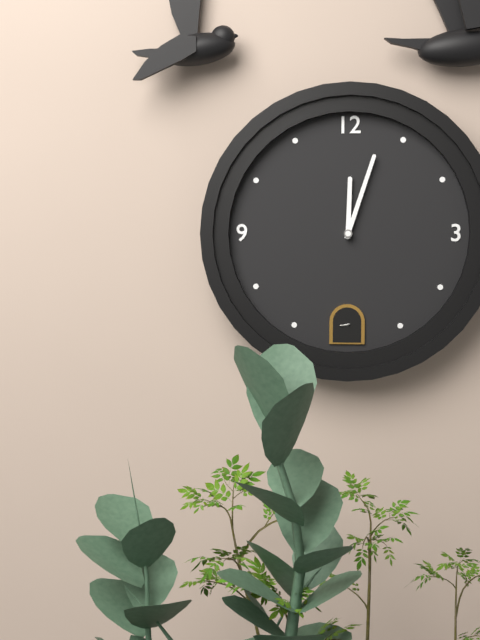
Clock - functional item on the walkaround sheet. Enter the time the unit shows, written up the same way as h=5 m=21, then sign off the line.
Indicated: h=12 m=3
